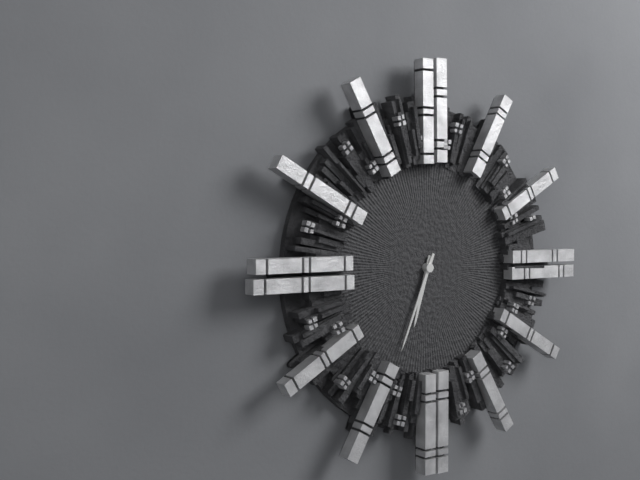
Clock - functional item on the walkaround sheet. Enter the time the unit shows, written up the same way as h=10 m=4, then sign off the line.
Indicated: h=6 m=34
